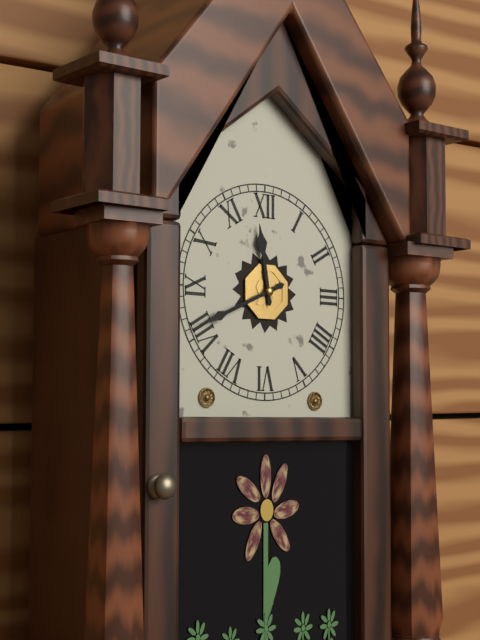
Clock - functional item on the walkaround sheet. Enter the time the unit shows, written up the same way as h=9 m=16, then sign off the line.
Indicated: h=11 m=41
